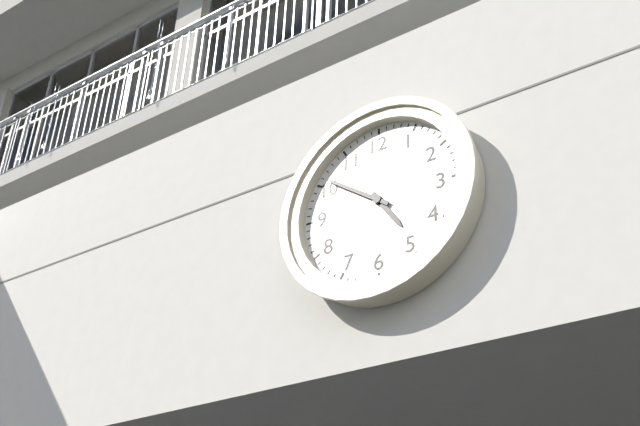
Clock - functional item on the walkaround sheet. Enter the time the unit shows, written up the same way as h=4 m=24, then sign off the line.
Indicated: h=4 m=51
